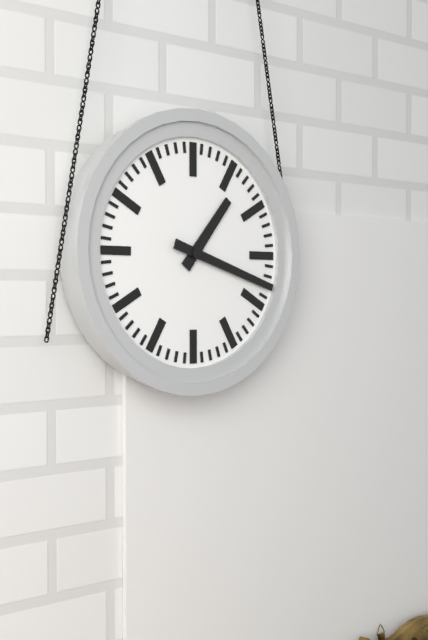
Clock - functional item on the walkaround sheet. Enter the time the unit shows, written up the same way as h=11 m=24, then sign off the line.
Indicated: h=1 m=18
